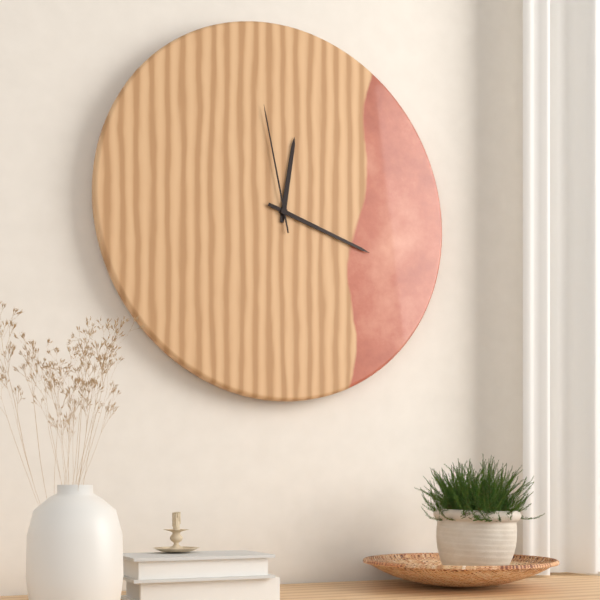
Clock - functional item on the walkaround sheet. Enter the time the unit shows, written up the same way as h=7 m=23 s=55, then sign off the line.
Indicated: h=12 m=18 s=58
